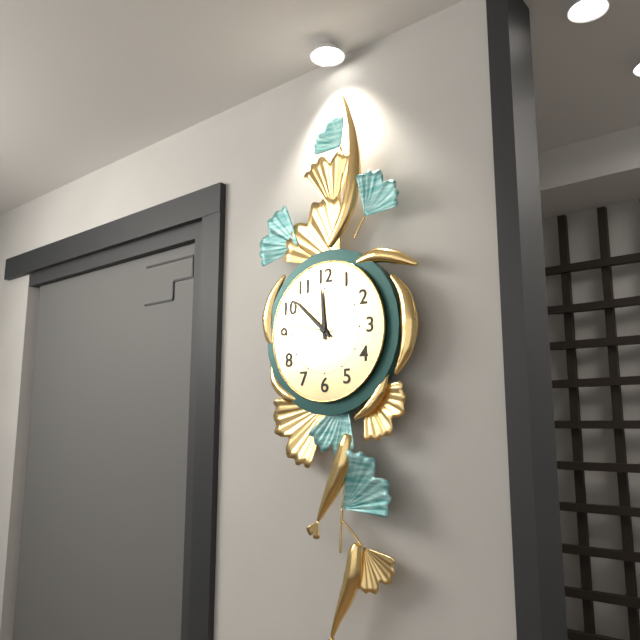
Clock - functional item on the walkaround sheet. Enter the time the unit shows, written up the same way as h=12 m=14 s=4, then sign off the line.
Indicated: h=11 m=52 s=47
